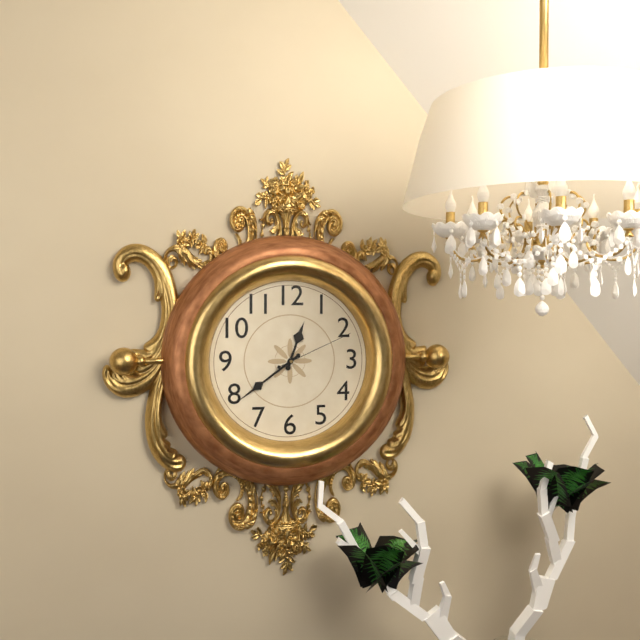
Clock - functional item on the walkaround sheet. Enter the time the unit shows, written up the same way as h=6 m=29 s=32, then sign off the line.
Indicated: h=12 m=39 s=11
